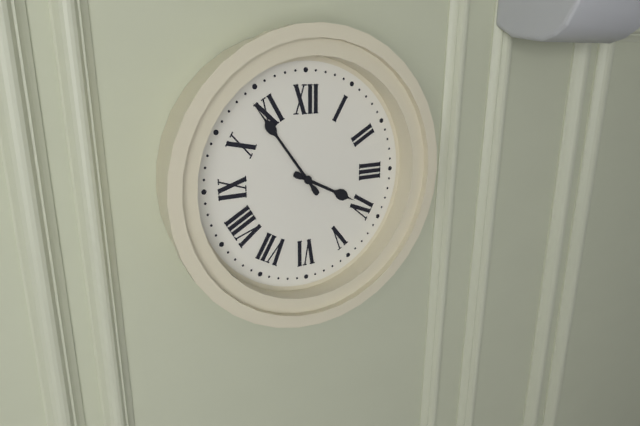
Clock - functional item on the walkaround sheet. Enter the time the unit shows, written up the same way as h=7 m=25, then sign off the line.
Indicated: h=3 m=54
